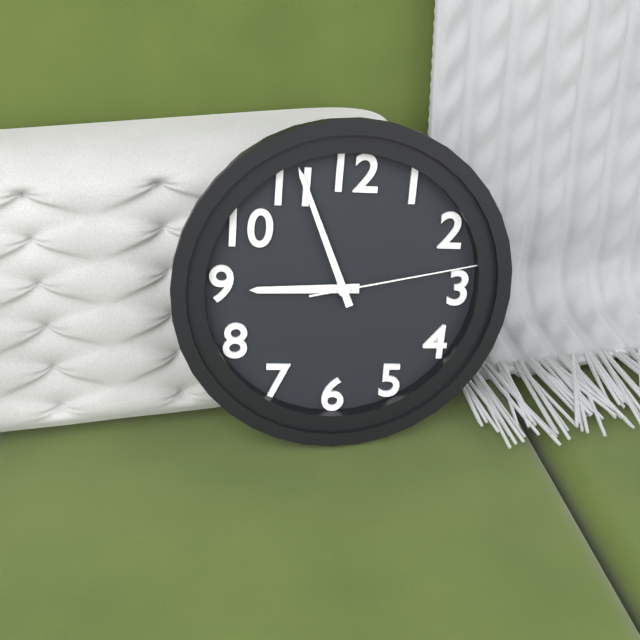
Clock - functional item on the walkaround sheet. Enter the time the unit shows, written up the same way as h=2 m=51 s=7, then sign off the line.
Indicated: h=8 m=56 s=13
